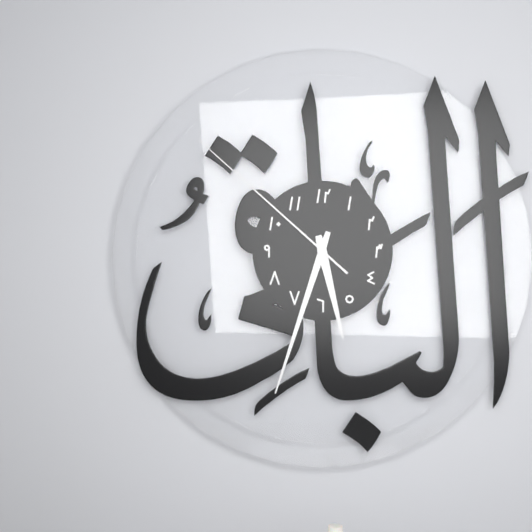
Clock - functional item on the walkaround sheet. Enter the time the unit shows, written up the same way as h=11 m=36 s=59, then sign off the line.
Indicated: h=5 m=33 s=52
